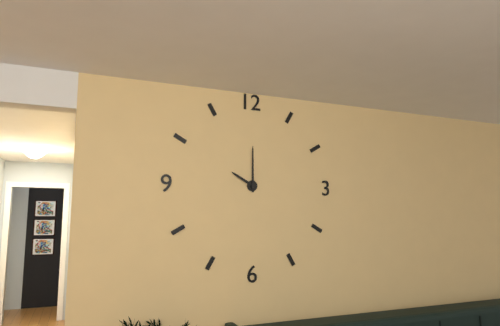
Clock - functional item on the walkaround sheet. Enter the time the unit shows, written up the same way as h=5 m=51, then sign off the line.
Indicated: h=10 m=0
